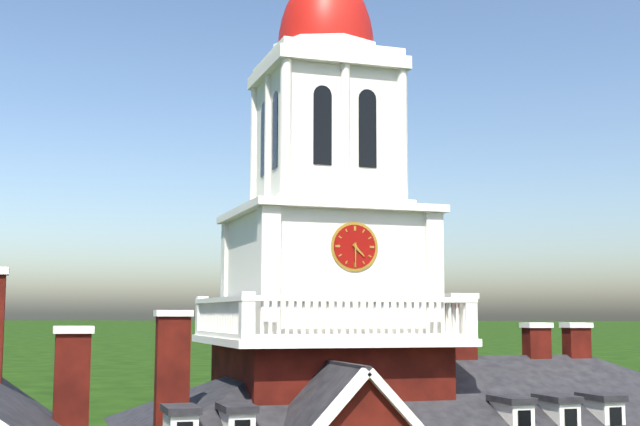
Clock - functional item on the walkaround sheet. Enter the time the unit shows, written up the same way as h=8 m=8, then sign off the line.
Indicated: h=4 m=30
